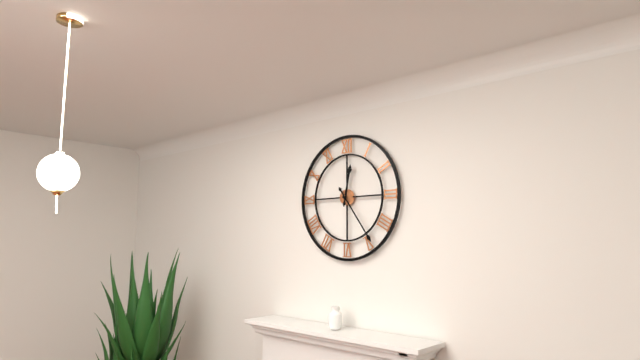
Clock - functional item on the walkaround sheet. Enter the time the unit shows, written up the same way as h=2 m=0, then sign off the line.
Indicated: h=12 m=24
